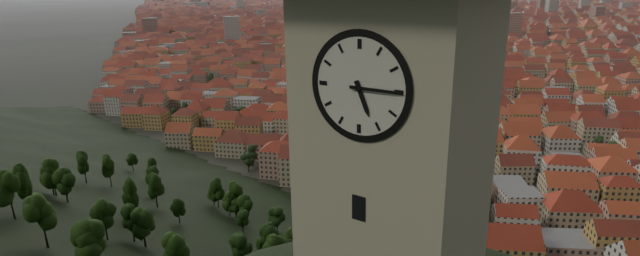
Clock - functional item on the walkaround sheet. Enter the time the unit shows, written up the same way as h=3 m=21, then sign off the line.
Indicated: h=5 m=15
